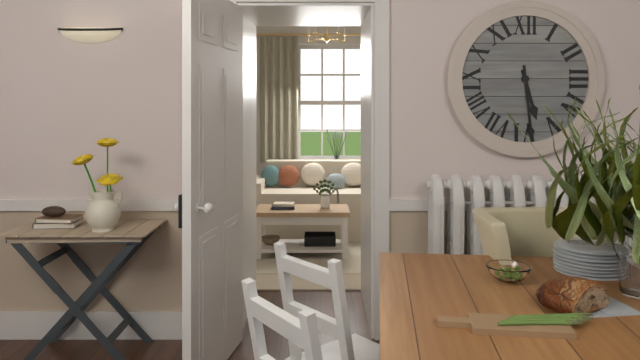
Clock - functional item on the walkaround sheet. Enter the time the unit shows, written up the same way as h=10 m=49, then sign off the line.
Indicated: h=5 m=29
